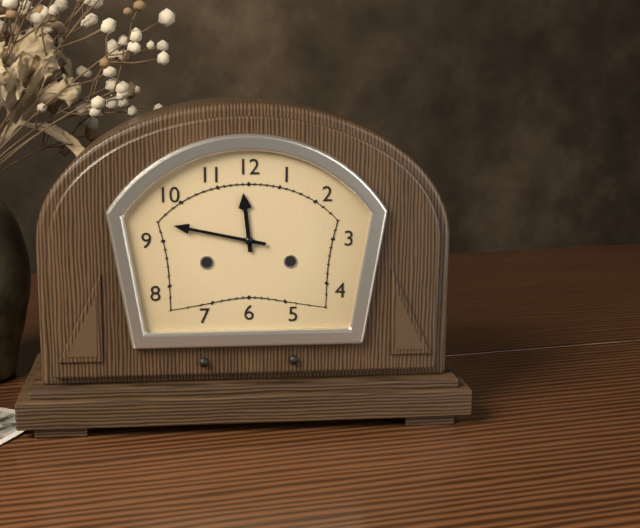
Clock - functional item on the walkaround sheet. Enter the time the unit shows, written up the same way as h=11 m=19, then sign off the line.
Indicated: h=11 m=47
